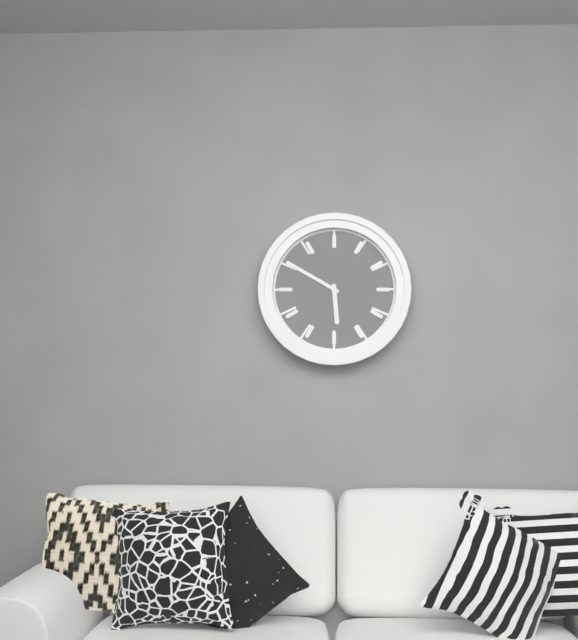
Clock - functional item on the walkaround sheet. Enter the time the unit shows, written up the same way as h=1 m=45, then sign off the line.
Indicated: h=5 m=50
